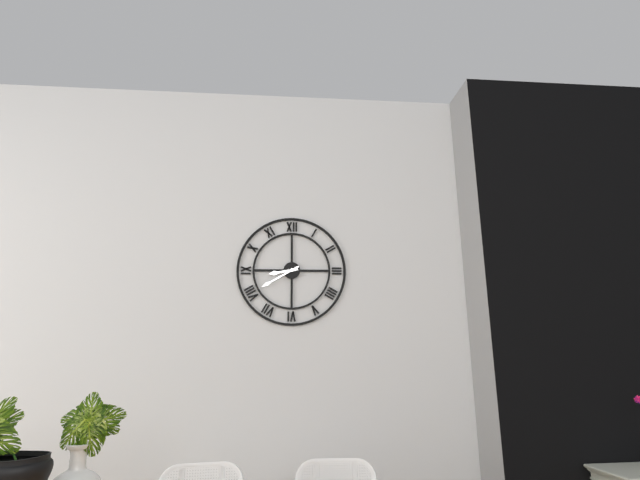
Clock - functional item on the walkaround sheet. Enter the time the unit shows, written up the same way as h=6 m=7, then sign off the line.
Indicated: h=8 m=40
